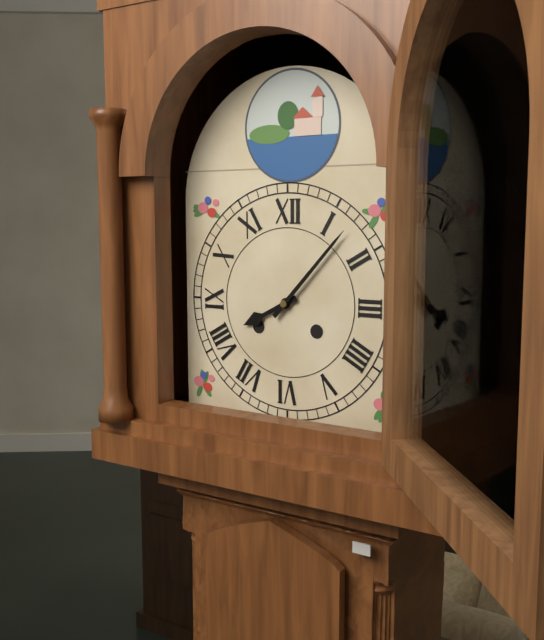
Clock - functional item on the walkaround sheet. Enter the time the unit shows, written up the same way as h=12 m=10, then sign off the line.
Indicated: h=8 m=7
